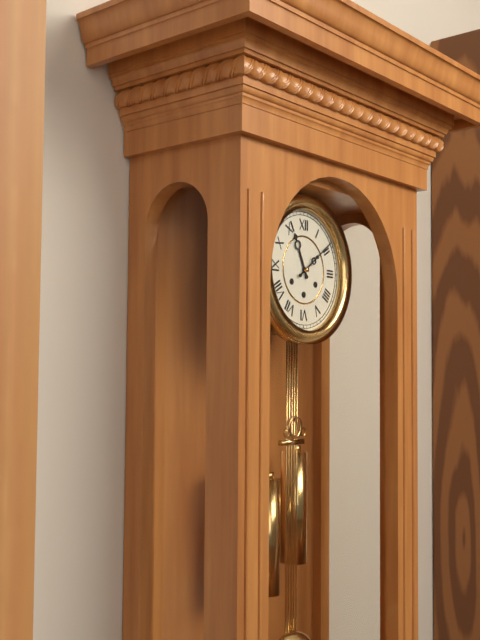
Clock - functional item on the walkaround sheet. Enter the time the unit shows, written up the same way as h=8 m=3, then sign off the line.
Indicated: h=11 m=9
